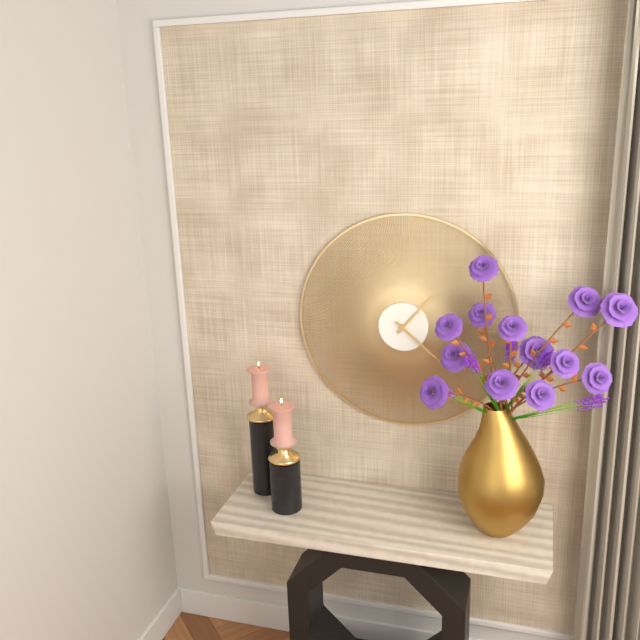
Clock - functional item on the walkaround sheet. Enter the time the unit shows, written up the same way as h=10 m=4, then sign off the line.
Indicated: h=1 m=22
